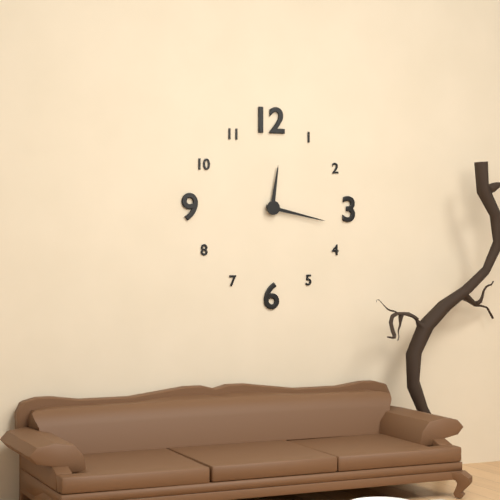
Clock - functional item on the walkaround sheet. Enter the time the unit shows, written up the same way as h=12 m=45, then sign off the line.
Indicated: h=12 m=17
